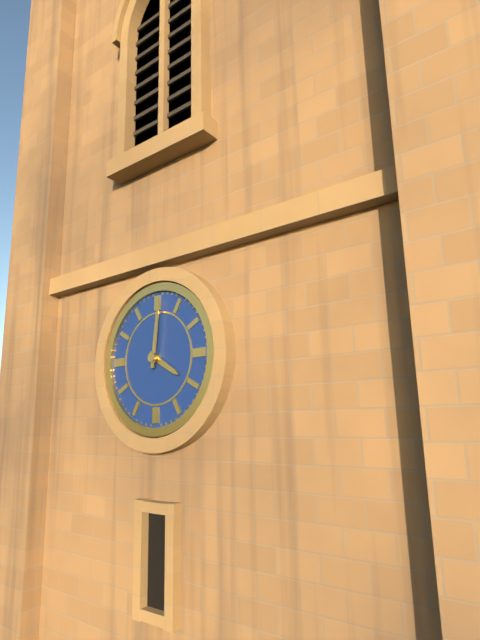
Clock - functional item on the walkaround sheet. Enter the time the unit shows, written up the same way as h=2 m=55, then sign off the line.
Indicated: h=4 m=1
